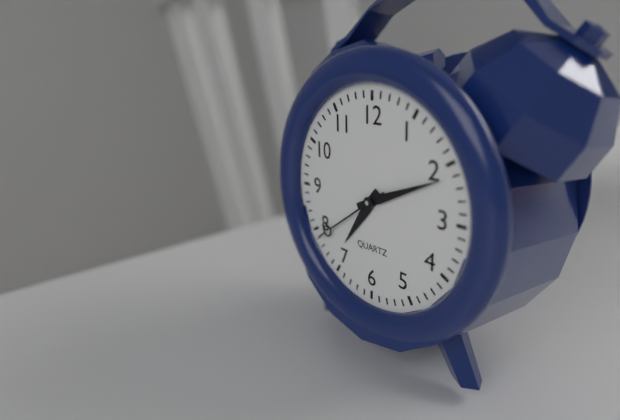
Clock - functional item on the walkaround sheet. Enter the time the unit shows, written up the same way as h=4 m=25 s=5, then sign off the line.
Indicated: h=7 m=11 s=39
